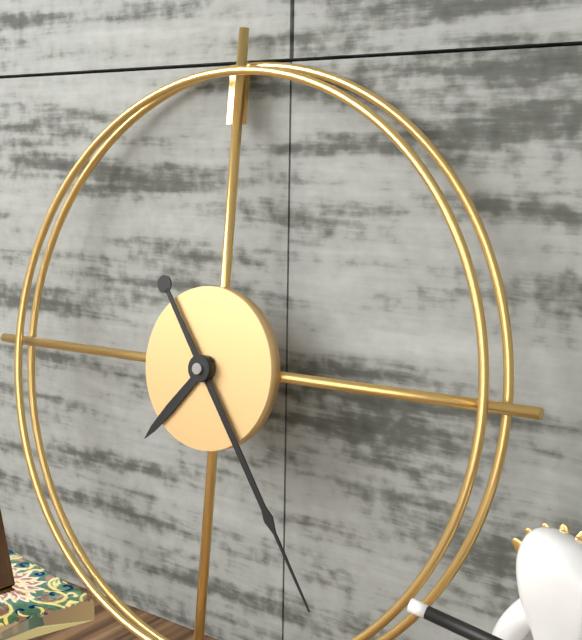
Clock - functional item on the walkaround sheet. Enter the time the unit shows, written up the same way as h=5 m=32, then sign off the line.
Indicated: h=7 m=24
